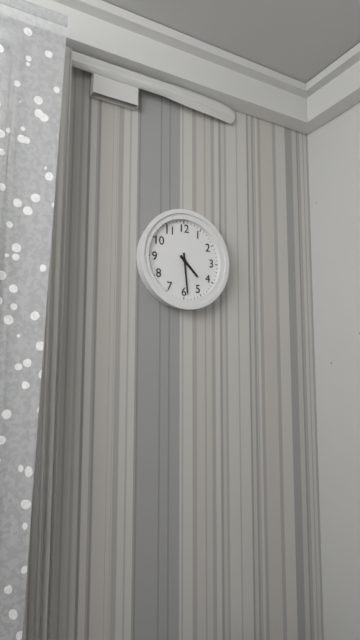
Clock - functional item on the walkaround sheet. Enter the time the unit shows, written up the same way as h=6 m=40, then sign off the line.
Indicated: h=4 m=29
